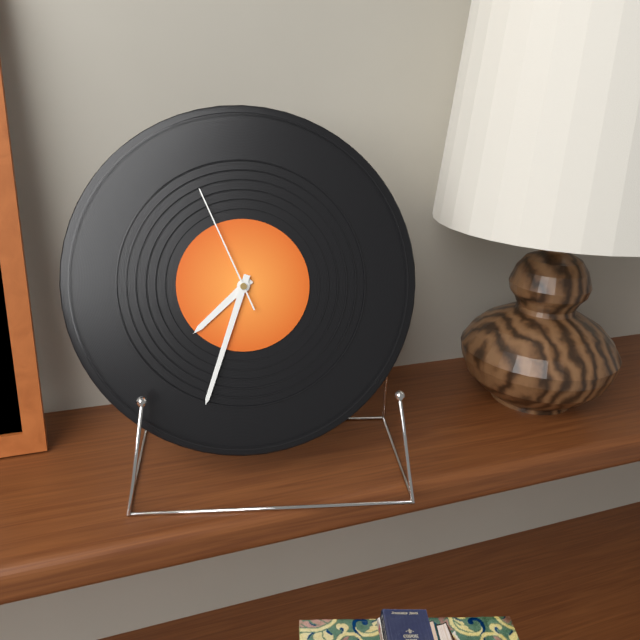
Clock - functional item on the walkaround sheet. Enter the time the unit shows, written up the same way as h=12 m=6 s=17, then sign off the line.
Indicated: h=7 m=33 s=56
